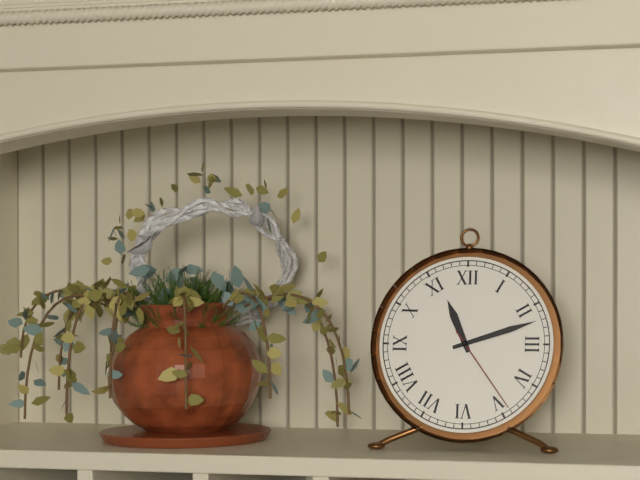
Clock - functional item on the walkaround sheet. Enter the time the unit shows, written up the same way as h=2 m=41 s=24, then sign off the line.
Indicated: h=11 m=12 s=24
